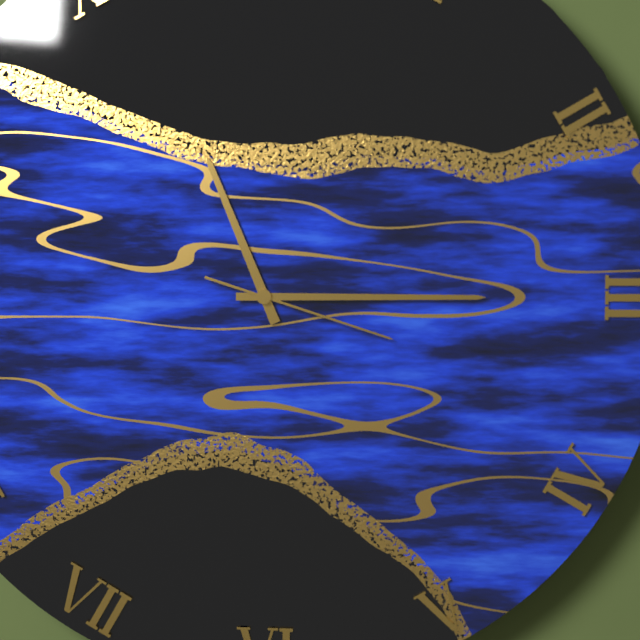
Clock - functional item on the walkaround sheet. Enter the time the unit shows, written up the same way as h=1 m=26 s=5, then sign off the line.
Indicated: h=11 m=15 s=18
